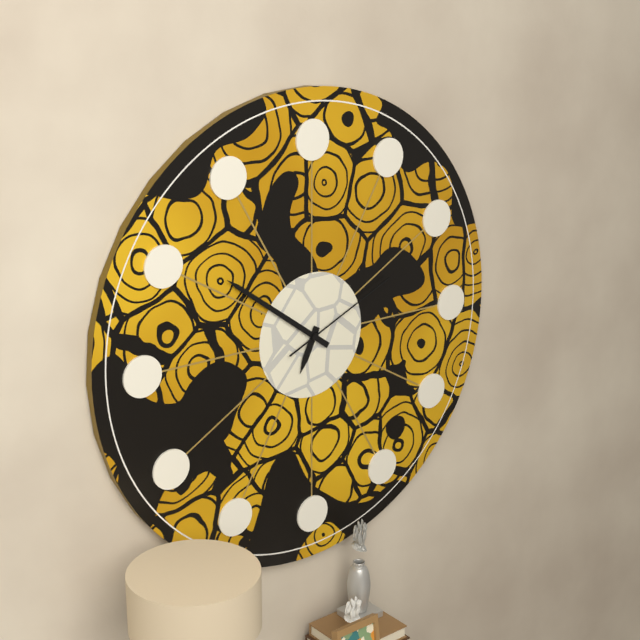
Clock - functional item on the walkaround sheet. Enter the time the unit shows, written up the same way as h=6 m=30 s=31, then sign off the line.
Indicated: h=6 m=51 s=11
